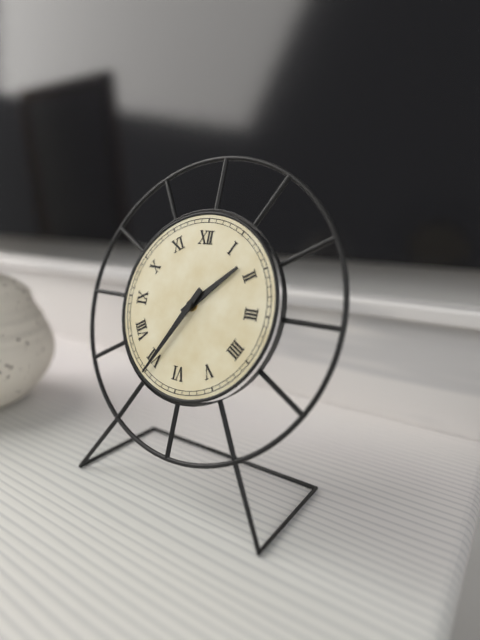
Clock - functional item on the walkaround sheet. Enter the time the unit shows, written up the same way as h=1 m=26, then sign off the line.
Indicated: h=1 m=35
